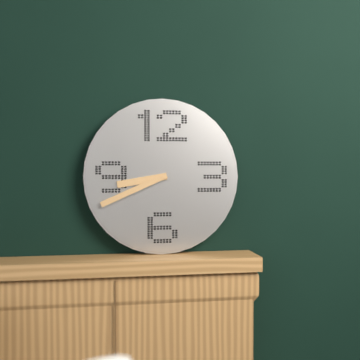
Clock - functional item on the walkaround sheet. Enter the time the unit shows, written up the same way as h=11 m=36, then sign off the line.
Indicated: h=8 m=41
